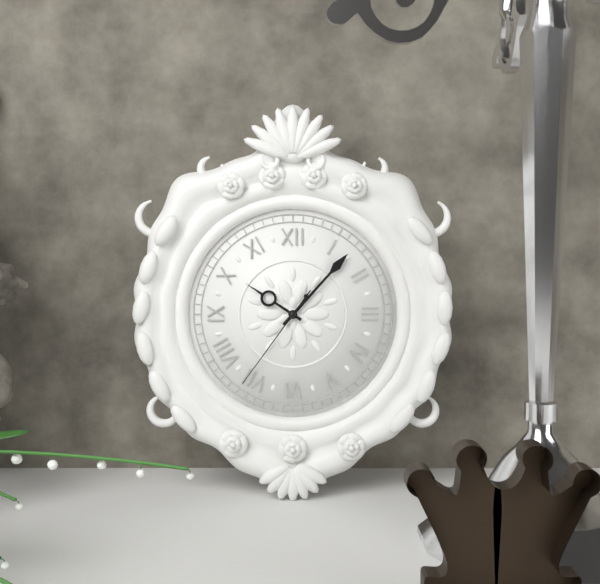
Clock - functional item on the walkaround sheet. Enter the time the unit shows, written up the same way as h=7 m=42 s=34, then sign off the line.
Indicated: h=10 m=7 s=36
